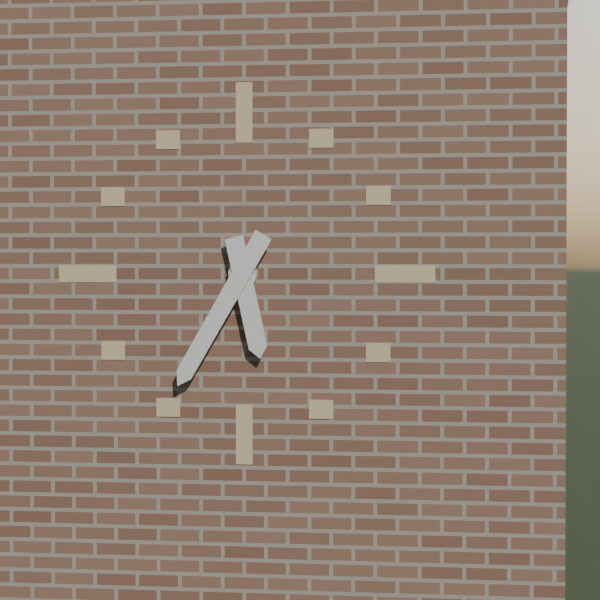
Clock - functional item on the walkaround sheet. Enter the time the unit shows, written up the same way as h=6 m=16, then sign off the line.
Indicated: h=5 m=35
